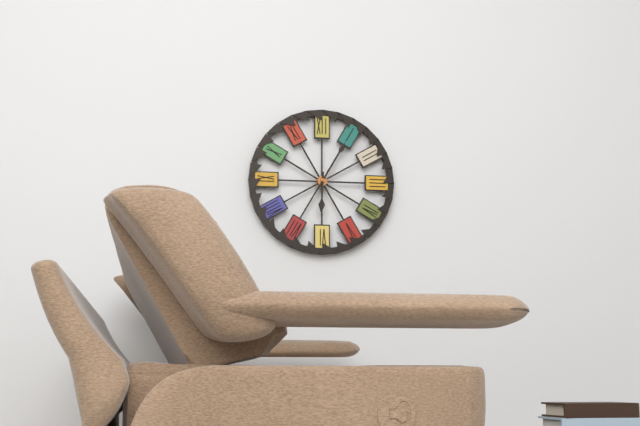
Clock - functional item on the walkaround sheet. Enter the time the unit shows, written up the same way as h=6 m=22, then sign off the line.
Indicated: h=6 m=5
